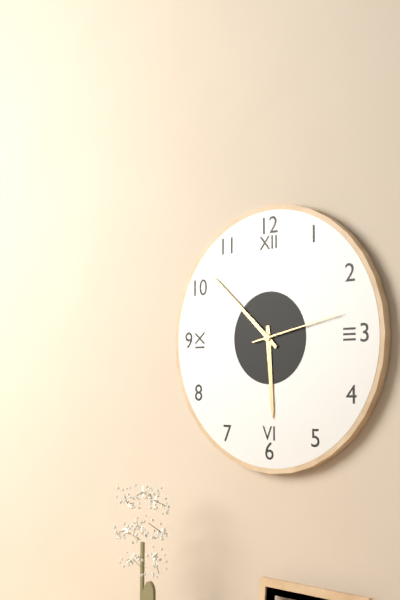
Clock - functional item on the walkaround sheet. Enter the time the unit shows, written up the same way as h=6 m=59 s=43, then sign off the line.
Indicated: h=5 m=52 s=13
